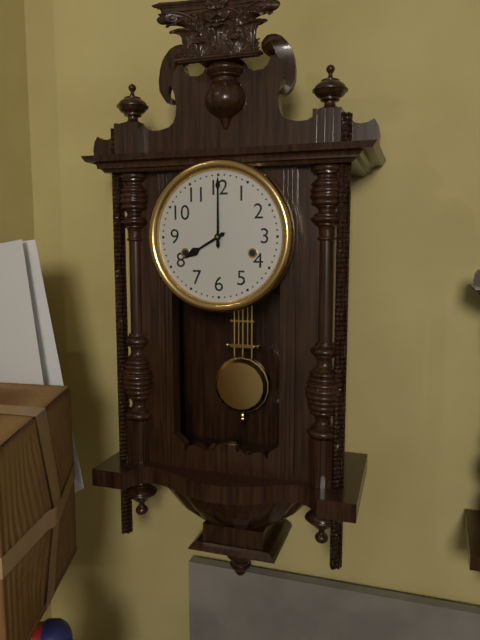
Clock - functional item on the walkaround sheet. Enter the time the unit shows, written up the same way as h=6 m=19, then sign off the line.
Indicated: h=8 m=0
